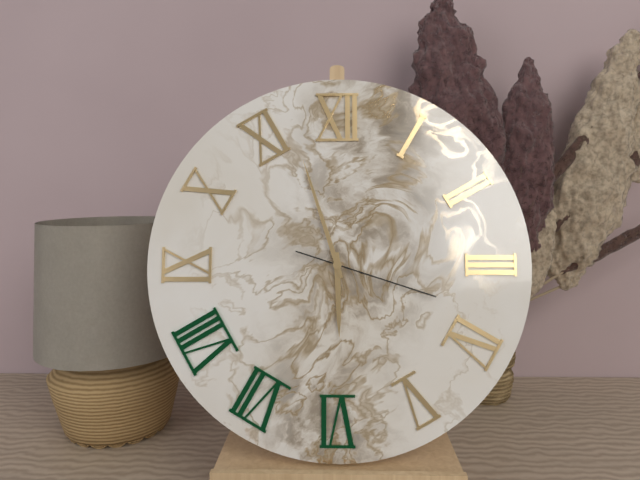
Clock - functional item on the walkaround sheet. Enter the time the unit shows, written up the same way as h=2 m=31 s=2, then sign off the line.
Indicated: h=5 m=57 s=18
